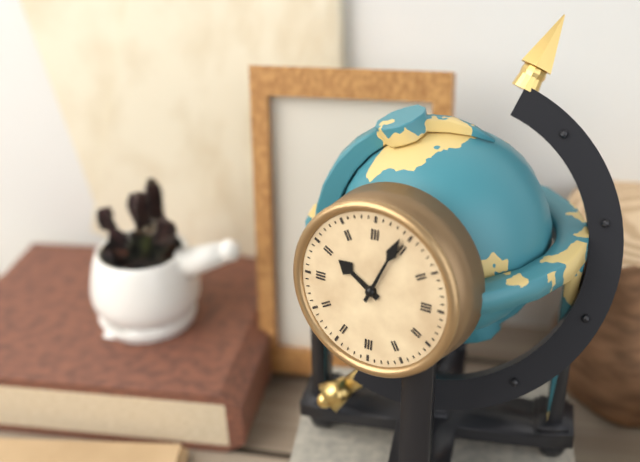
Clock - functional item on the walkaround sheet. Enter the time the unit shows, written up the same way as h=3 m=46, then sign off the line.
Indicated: h=10 m=4
